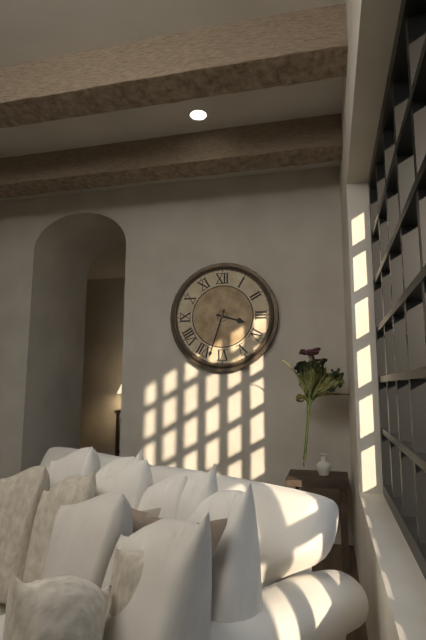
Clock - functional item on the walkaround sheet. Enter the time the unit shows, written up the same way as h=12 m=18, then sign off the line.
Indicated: h=3 m=33
